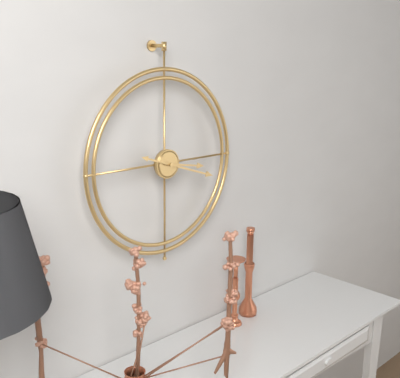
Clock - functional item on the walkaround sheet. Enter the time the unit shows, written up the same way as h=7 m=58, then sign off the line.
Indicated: h=3 m=18
